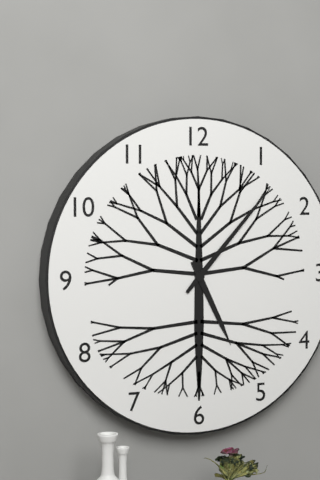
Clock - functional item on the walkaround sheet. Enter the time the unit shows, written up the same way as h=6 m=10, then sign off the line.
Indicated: h=5 m=7
